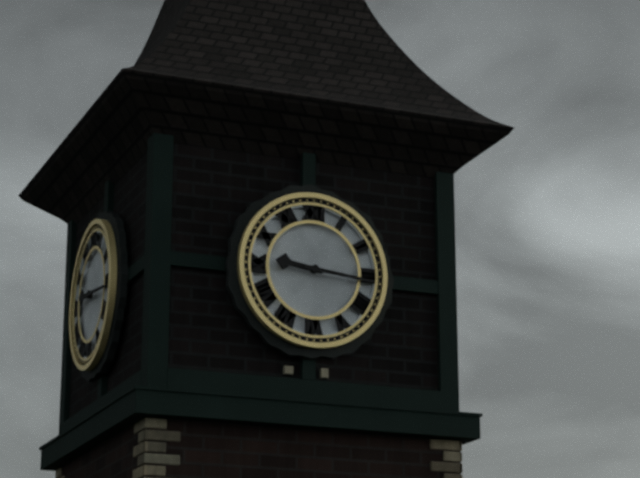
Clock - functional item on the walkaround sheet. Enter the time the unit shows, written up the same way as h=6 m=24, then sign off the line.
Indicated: h=9 m=16
